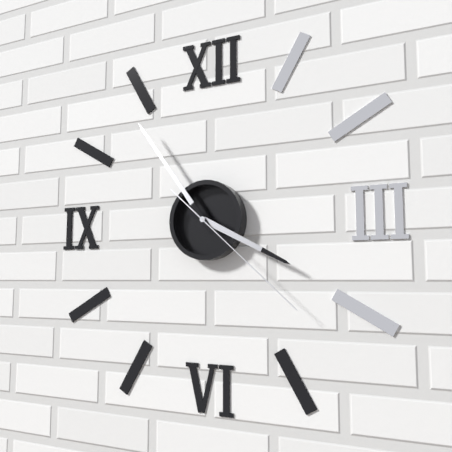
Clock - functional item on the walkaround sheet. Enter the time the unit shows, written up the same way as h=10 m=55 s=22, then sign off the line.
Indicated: h=3 m=54 s=22
